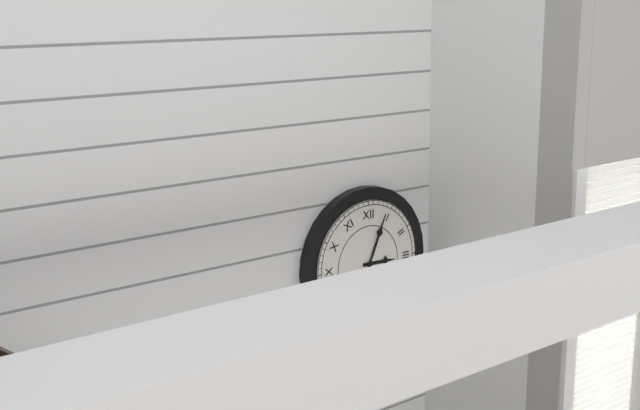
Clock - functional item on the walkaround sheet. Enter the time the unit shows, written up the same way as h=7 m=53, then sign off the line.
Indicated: h=3 m=4
